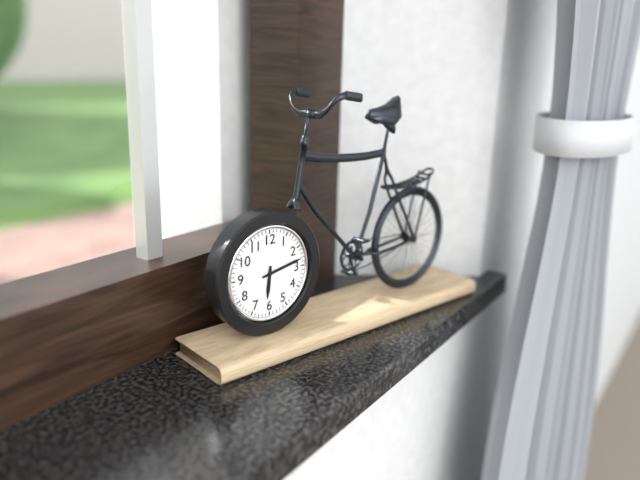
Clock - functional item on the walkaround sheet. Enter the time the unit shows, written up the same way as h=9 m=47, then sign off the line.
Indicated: h=6 m=13
